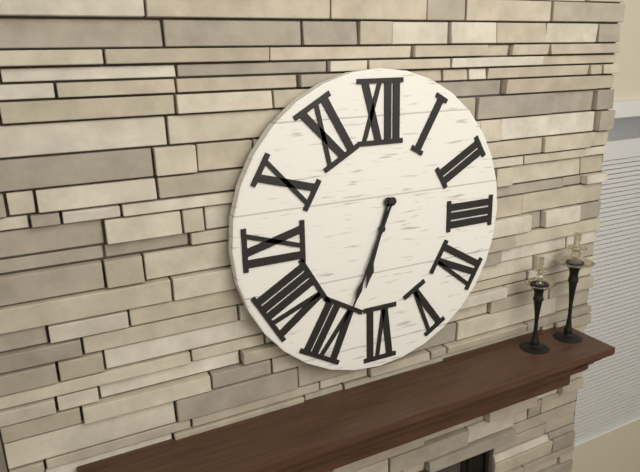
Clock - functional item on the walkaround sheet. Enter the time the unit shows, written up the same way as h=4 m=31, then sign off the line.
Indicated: h=6 m=34
